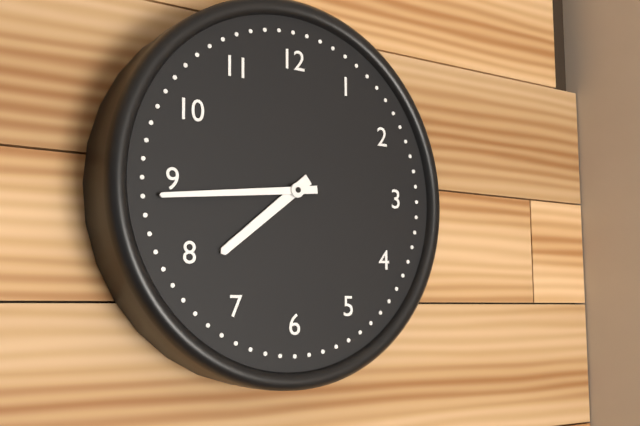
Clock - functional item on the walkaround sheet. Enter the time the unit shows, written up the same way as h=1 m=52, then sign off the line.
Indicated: h=7 m=44
